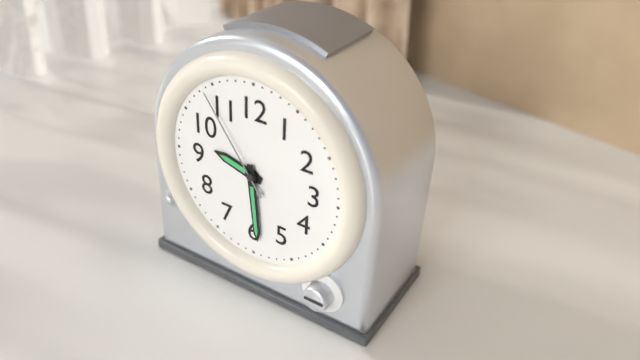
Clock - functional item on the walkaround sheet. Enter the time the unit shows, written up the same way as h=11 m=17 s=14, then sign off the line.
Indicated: h=9 m=29 s=54
